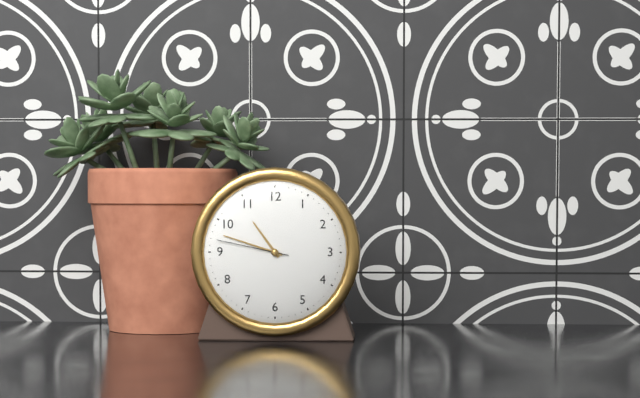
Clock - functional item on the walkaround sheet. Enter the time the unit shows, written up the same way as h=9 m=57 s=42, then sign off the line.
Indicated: h=10 m=48 s=47
